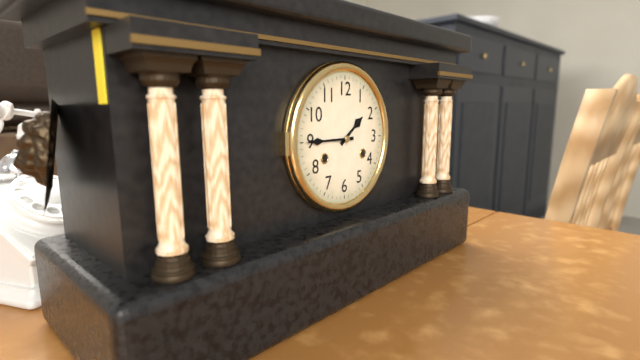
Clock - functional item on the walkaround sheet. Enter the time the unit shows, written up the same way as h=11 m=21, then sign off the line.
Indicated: h=1 m=45
